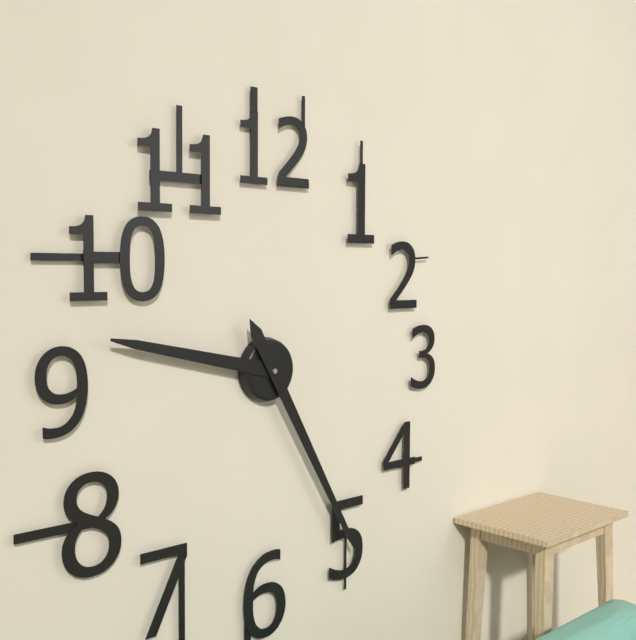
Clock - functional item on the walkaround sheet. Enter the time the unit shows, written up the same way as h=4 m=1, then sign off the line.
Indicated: h=9 m=25
